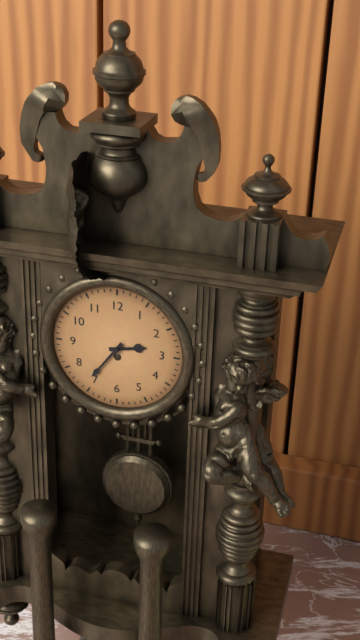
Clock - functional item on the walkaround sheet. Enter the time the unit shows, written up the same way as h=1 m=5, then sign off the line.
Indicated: h=2 m=36
